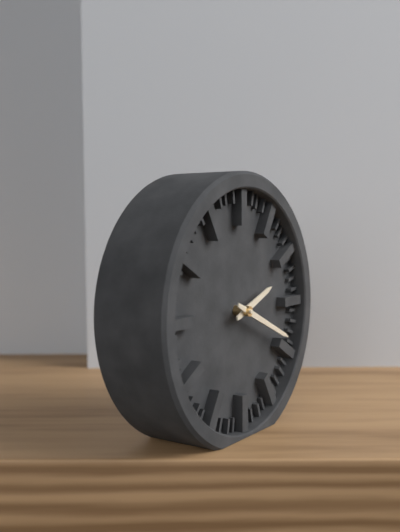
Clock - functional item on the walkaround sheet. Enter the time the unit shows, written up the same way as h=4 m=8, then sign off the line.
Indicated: h=2 m=19
